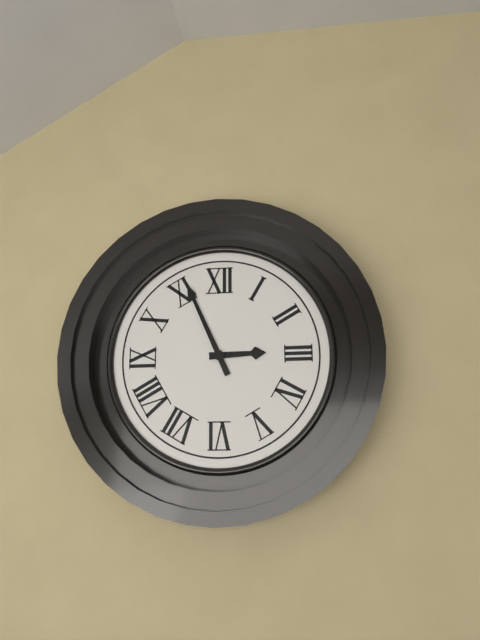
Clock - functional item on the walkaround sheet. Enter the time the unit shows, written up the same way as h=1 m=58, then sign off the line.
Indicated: h=2 m=56
